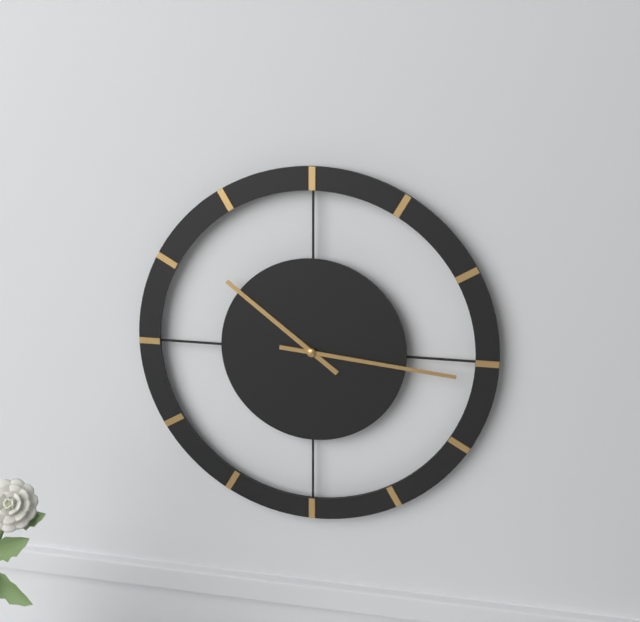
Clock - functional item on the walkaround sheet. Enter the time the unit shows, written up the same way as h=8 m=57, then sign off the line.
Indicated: h=10 m=16
